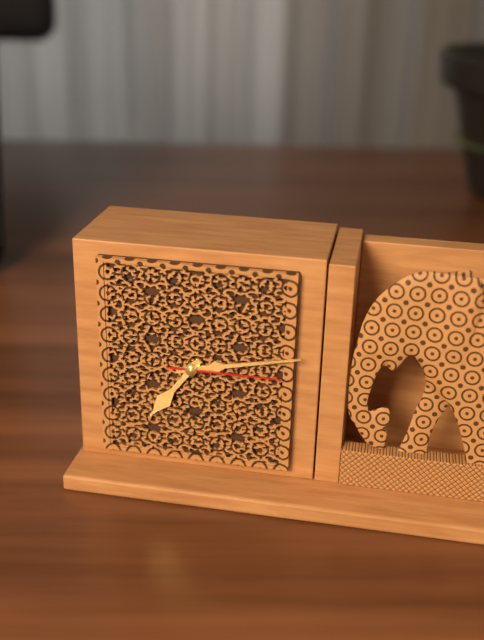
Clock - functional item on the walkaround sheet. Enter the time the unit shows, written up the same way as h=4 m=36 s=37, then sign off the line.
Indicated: h=7 m=13 s=15
